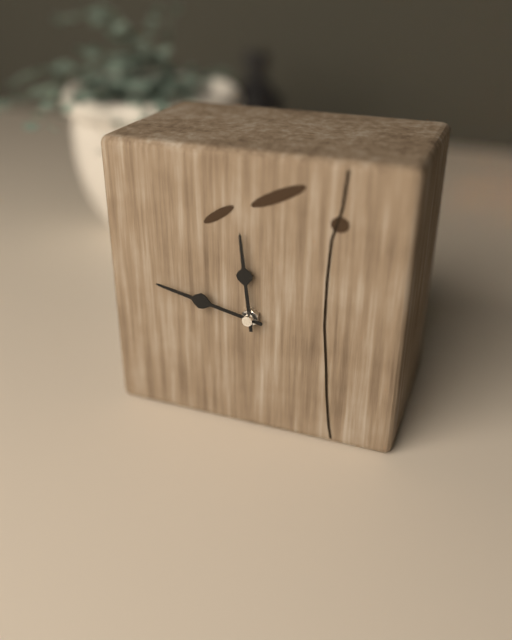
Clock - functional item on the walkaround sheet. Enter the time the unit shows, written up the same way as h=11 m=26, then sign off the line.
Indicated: h=11 m=47
